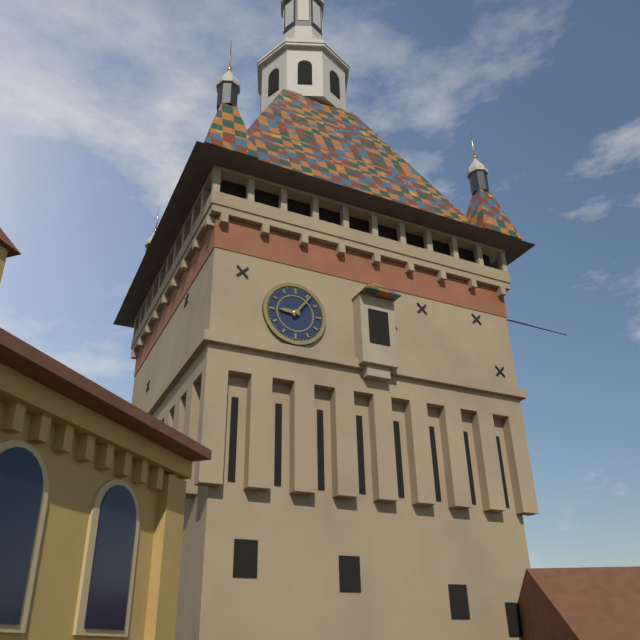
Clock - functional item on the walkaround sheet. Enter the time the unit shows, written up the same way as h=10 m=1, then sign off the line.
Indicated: h=9 m=6
